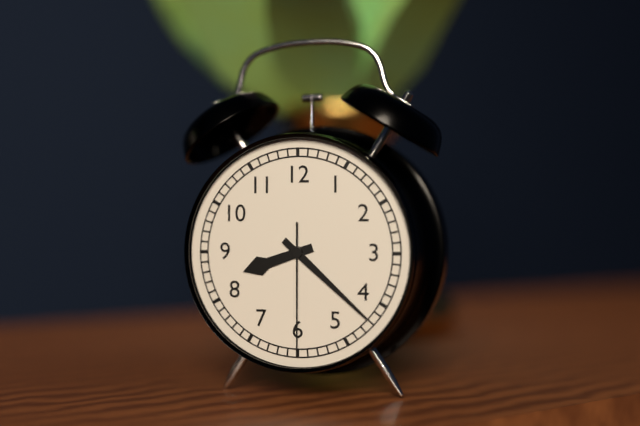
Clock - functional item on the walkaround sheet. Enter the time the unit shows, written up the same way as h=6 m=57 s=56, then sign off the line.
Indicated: h=8 m=22 s=30
